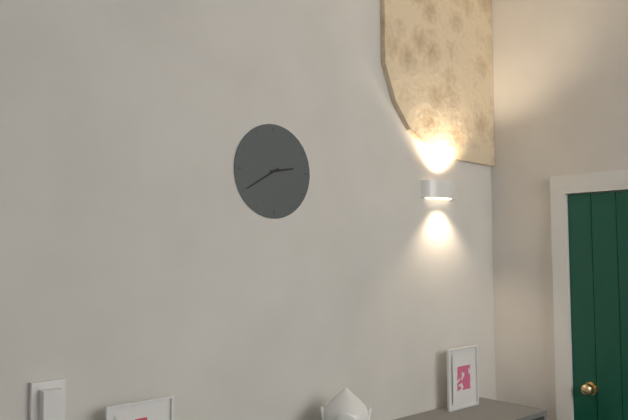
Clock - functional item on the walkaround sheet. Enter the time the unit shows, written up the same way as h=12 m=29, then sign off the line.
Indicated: h=2 m=40
